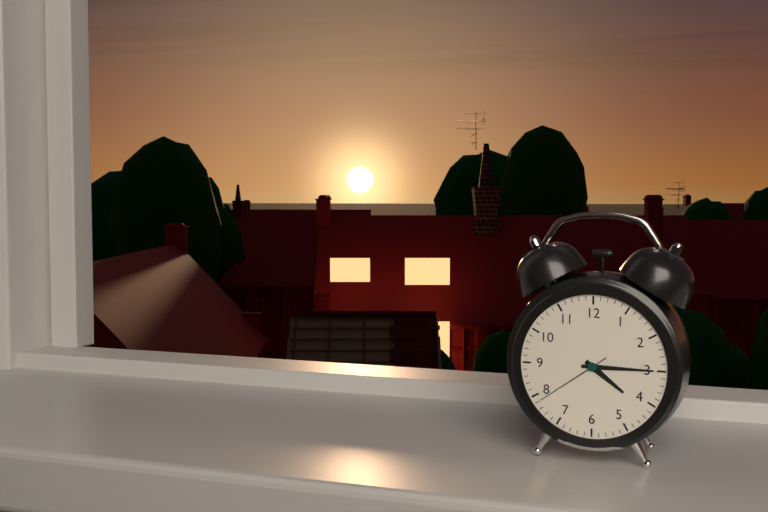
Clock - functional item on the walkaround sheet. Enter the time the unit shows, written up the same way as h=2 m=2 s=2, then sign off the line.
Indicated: h=4 m=15 s=39
